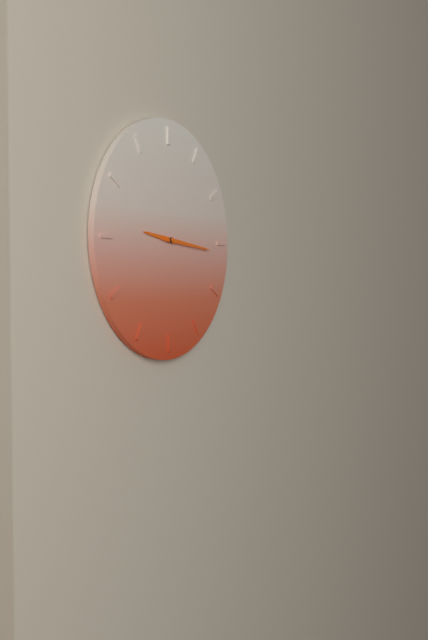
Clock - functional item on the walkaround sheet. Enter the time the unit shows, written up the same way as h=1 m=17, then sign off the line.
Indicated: h=9 m=16
